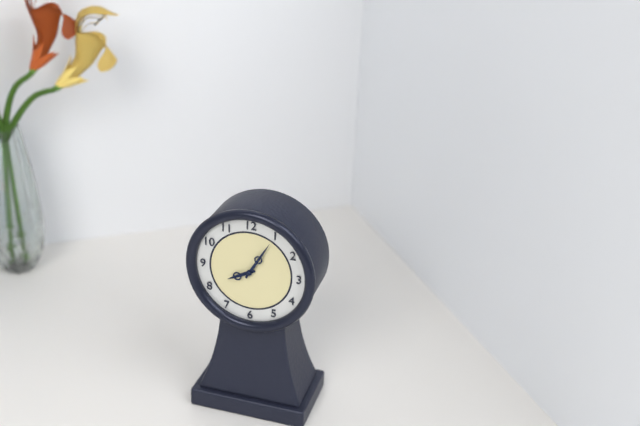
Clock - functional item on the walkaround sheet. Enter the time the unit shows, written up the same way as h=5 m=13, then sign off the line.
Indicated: h=8 m=5
